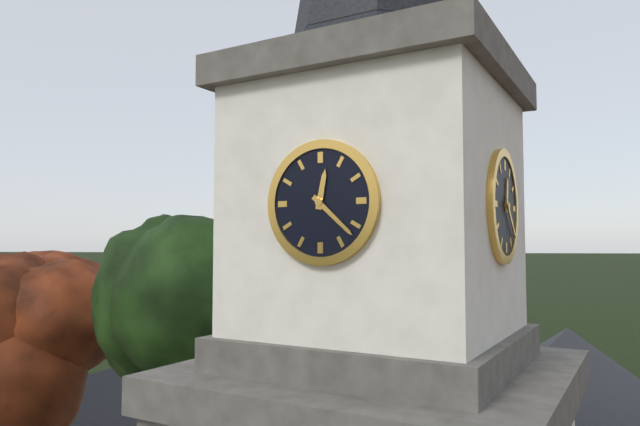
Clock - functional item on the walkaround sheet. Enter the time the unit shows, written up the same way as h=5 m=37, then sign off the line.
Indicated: h=12 m=22
